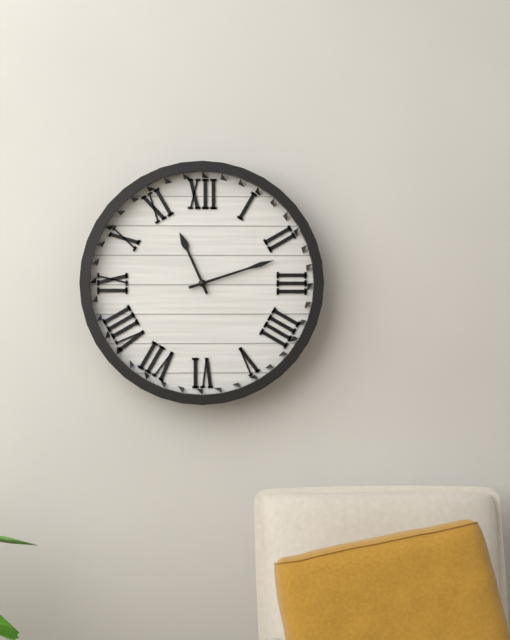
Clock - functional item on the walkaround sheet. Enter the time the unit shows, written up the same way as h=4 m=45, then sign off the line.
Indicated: h=11 m=12
